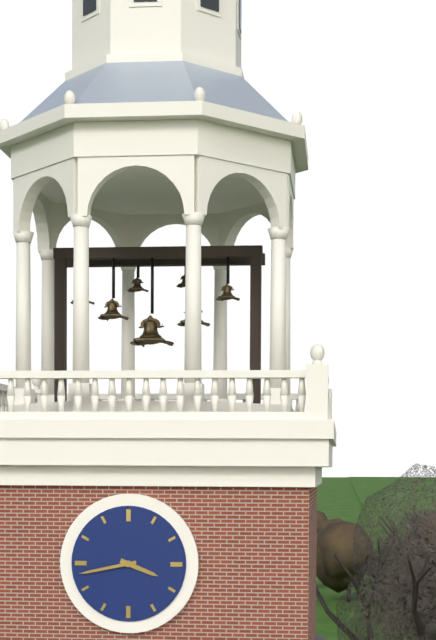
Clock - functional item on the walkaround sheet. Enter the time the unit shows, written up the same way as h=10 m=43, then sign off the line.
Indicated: h=3 m=43
